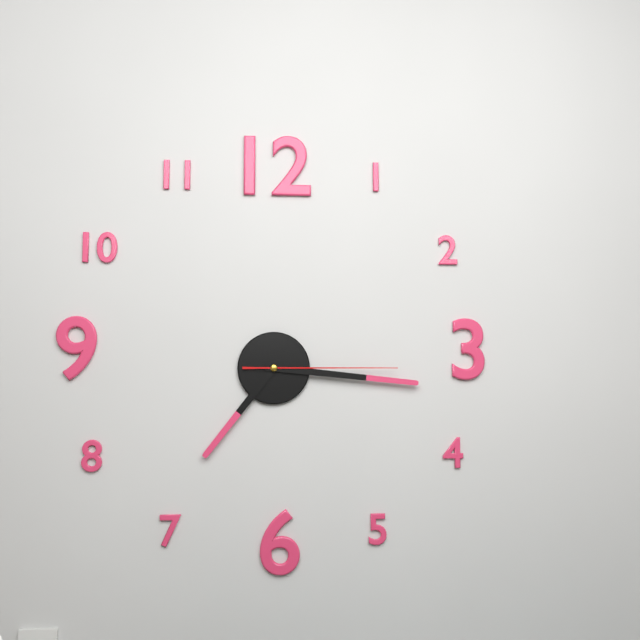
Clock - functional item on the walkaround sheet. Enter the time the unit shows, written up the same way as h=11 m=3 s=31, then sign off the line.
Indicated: h=7 m=16 s=15
